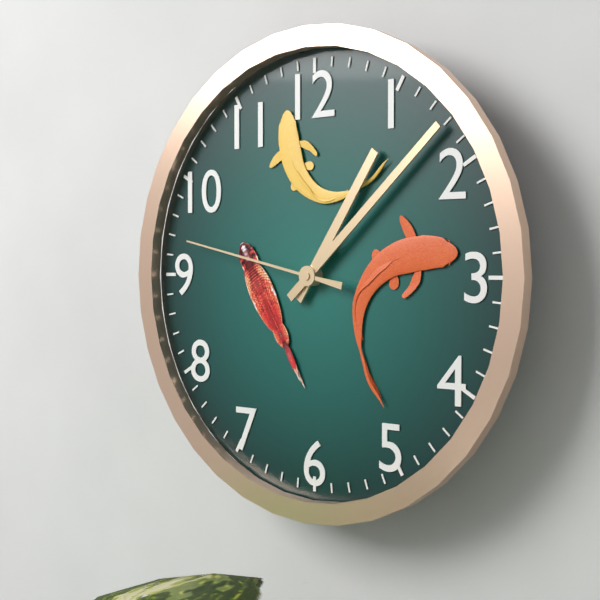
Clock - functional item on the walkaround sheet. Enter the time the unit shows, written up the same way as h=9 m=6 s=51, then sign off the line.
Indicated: h=1 m=8 s=47
